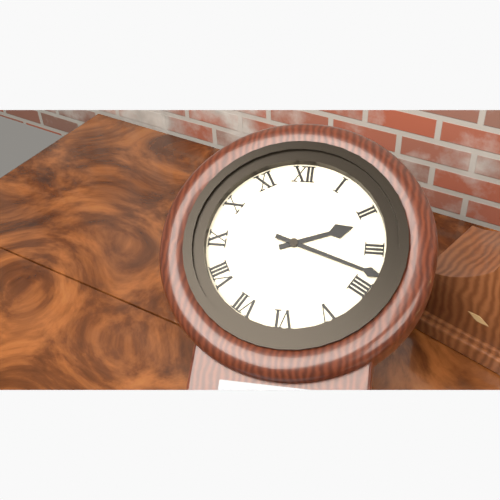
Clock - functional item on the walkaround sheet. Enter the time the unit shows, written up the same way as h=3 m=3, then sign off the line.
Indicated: h=2 m=18
